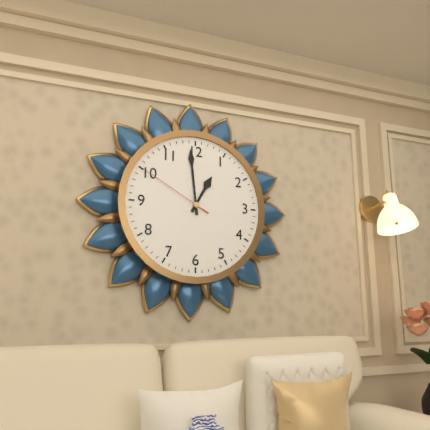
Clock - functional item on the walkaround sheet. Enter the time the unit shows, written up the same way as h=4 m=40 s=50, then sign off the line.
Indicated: h=12 m=59 s=50
